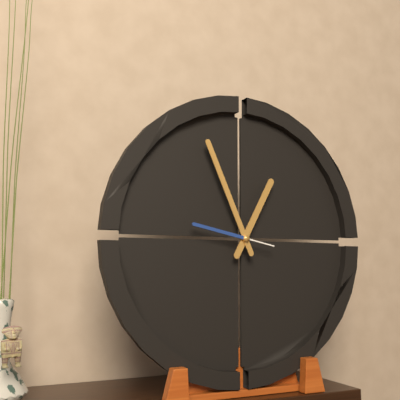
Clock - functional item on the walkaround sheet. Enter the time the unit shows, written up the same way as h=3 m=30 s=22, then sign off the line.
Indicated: h=12 m=56 s=47
